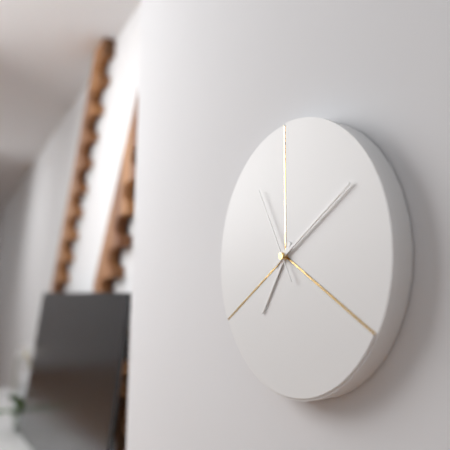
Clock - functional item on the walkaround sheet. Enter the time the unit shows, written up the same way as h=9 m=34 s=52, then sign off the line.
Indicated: h=7 m=10 s=55
